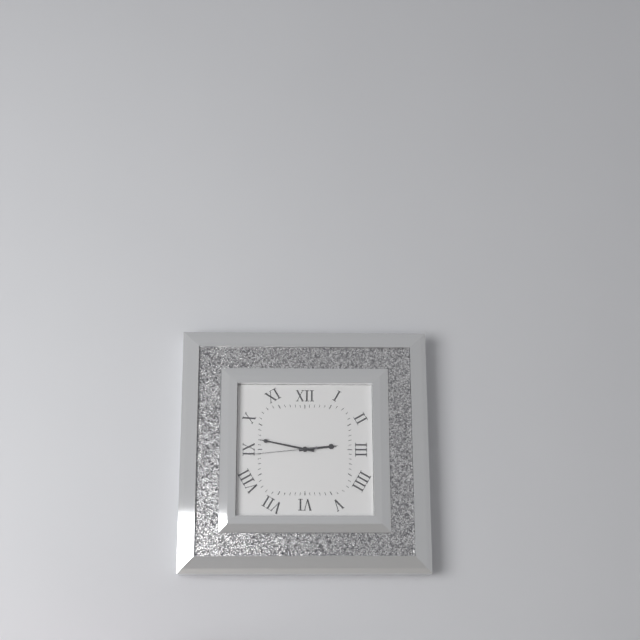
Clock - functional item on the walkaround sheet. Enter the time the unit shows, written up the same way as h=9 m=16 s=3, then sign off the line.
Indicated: h=2 m=47 s=44
